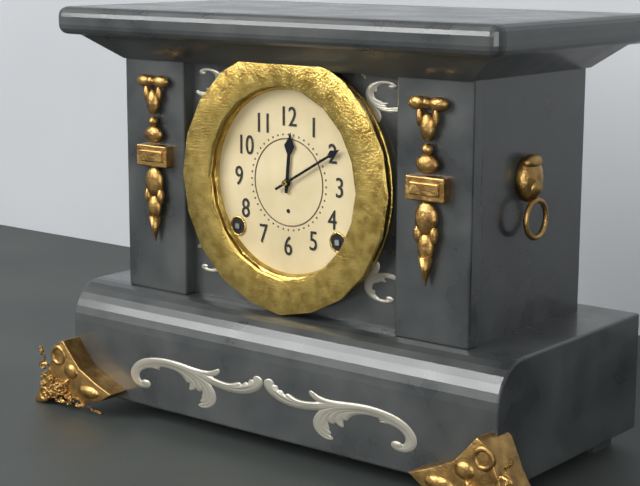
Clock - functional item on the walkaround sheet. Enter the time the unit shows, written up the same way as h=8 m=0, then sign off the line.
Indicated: h=12 m=10
